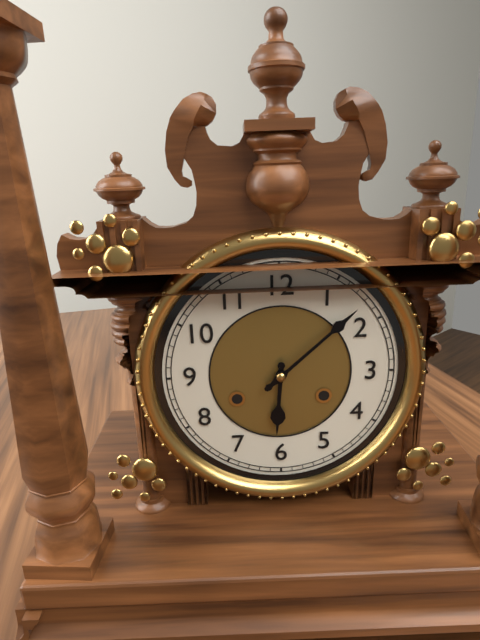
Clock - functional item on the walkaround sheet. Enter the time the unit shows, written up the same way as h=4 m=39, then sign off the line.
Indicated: h=6 m=8
